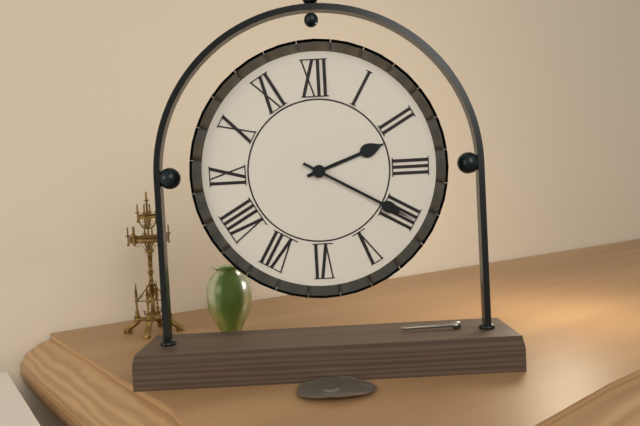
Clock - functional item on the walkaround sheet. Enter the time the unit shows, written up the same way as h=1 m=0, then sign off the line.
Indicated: h=2 m=20
